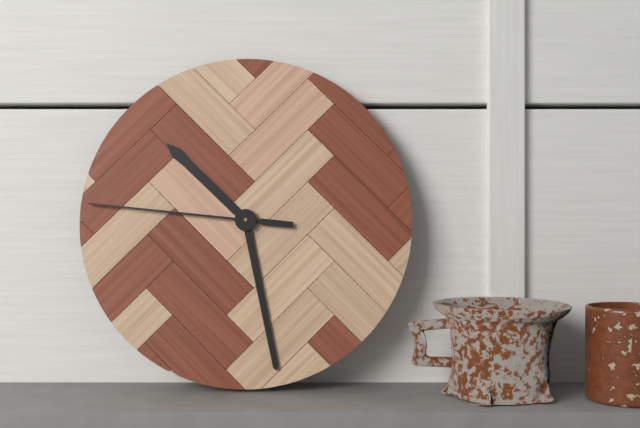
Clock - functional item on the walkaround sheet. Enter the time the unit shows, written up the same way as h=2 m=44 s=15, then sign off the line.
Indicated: h=10 m=28 s=46
